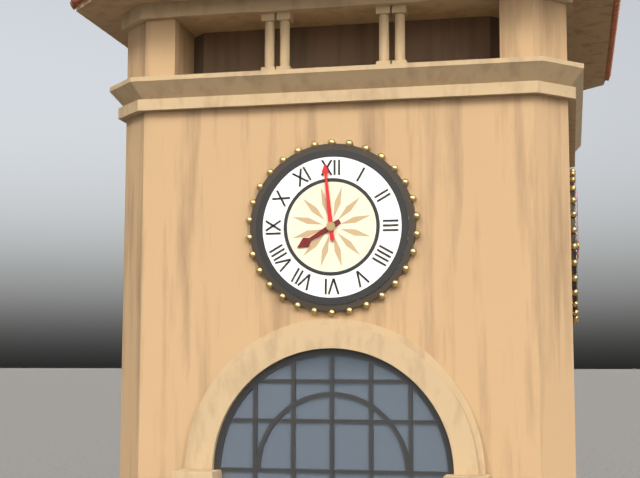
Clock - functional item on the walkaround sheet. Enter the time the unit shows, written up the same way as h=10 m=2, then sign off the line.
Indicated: h=7 m=59
